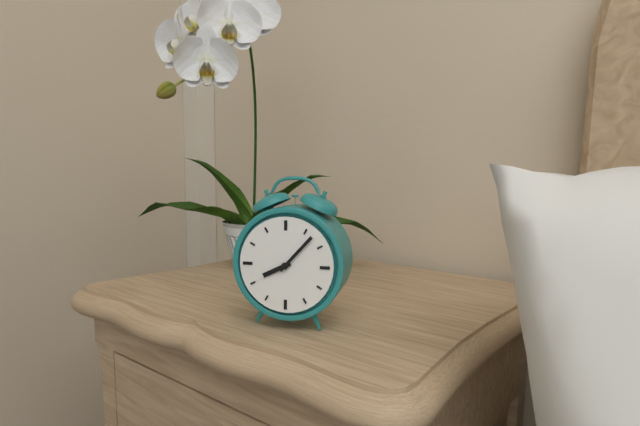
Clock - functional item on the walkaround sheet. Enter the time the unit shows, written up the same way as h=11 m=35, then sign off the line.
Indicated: h=8 m=7
